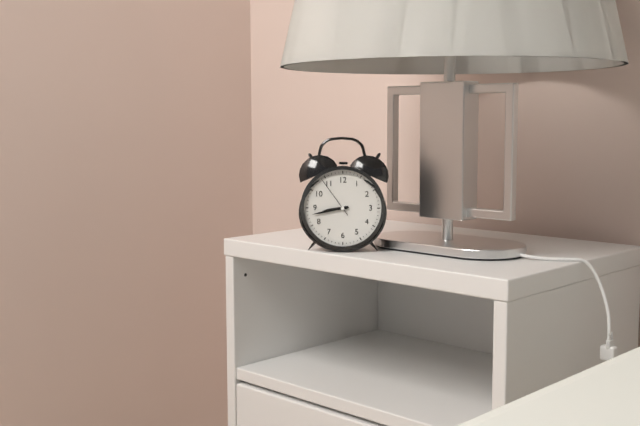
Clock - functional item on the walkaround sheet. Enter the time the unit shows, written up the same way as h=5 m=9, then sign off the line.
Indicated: h=8 m=43
